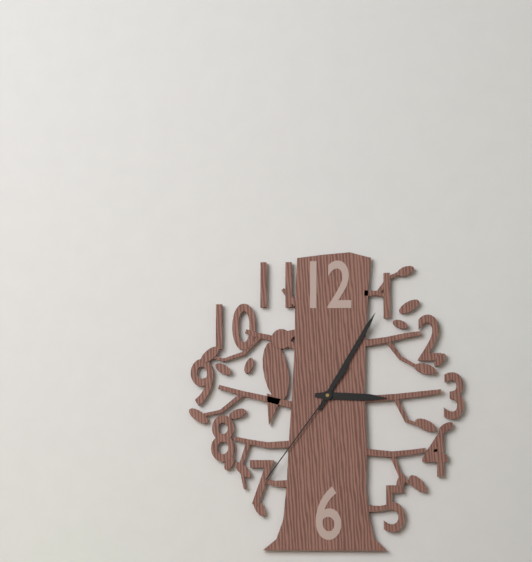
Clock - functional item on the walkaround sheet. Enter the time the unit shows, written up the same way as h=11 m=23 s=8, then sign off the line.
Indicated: h=3 m=5 s=36
